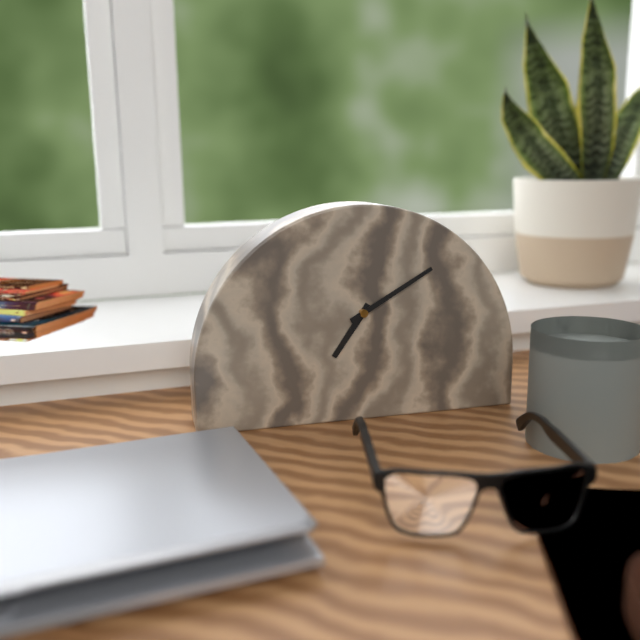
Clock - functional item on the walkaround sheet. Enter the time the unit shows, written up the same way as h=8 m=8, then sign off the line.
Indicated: h=7 m=10
